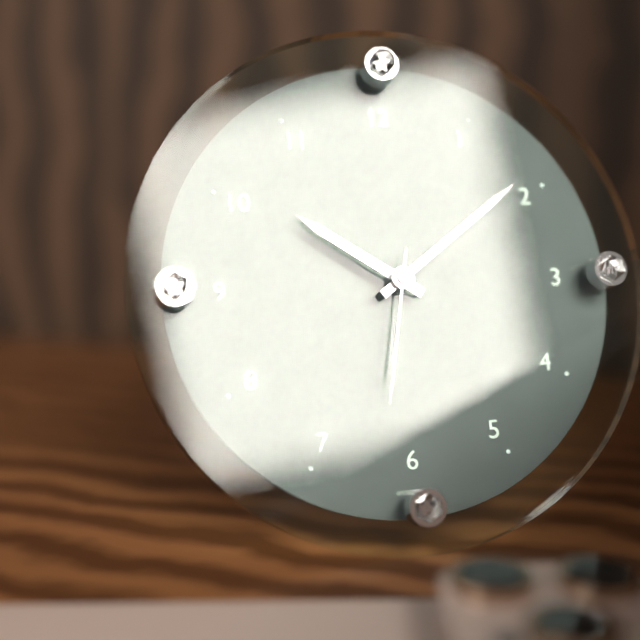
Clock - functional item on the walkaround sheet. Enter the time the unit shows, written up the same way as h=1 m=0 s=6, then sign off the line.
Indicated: h=10 m=9 s=32
